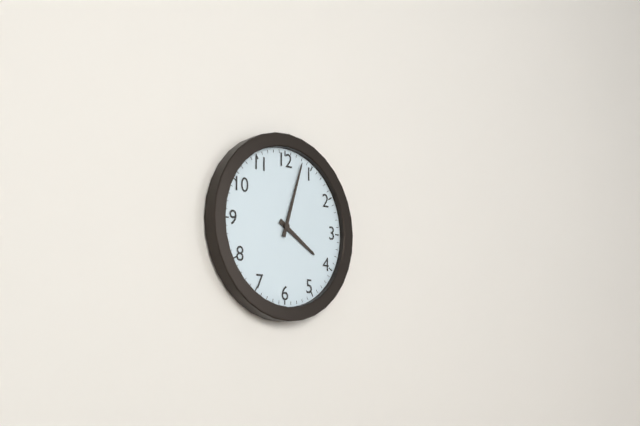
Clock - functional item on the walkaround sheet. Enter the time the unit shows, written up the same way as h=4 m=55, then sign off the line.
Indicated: h=4 m=3
